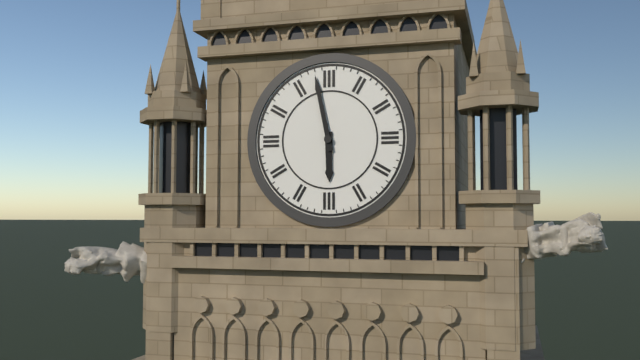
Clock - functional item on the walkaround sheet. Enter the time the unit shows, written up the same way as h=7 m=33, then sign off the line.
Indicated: h=5 m=58
